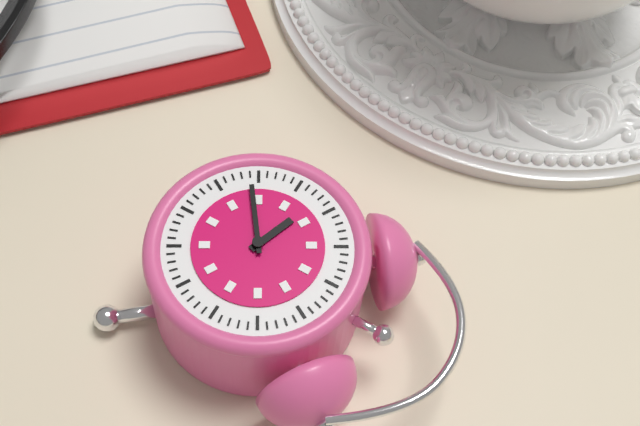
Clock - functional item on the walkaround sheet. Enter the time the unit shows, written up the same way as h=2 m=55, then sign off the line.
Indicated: h=9 m=39
